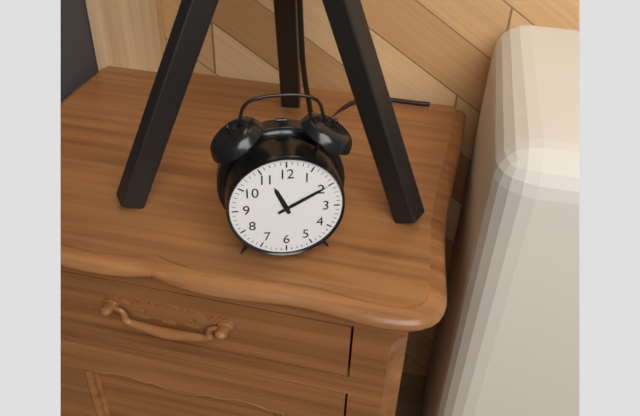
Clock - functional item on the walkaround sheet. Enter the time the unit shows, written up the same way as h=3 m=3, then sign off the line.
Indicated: h=11 m=10
